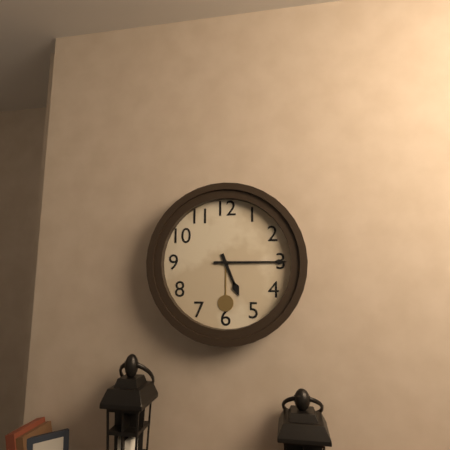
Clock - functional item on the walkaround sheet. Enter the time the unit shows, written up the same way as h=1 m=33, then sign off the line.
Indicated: h=5 m=15
